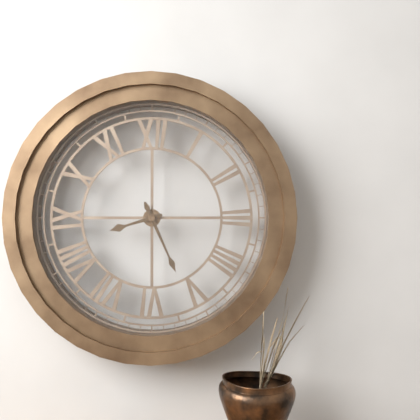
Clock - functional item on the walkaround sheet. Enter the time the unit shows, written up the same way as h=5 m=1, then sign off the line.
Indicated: h=8 m=26
